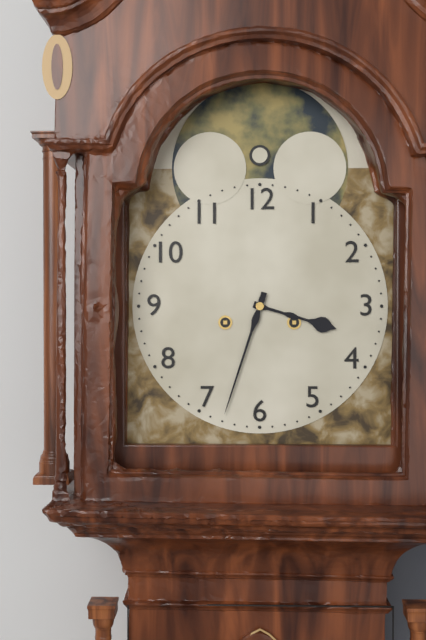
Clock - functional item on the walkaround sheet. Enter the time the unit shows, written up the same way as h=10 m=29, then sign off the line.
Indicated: h=3 m=33
